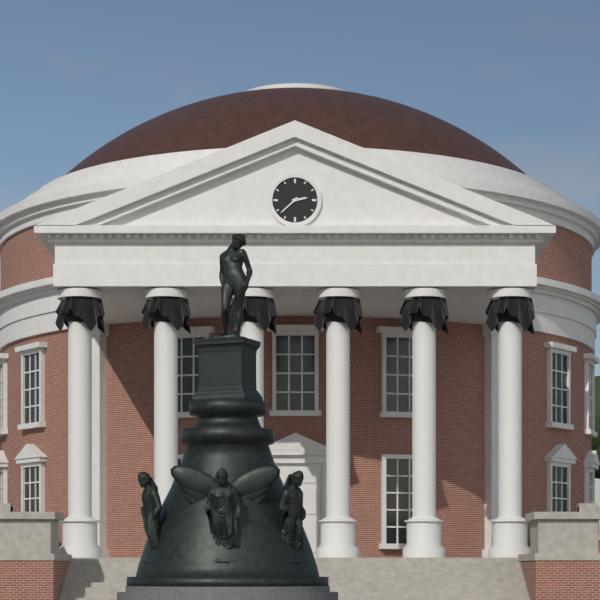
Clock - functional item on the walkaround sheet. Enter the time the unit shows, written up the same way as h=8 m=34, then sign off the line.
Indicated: h=2 m=38
